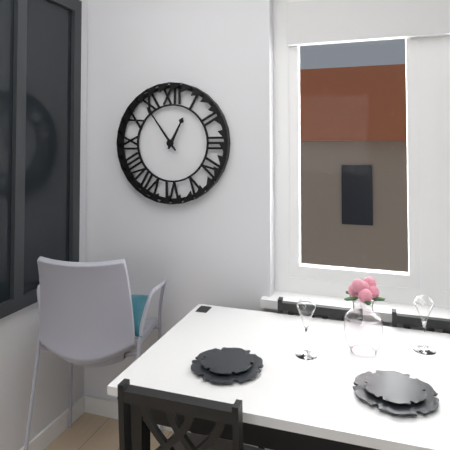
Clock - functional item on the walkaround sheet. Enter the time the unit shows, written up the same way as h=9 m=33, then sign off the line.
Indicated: h=12 m=54
